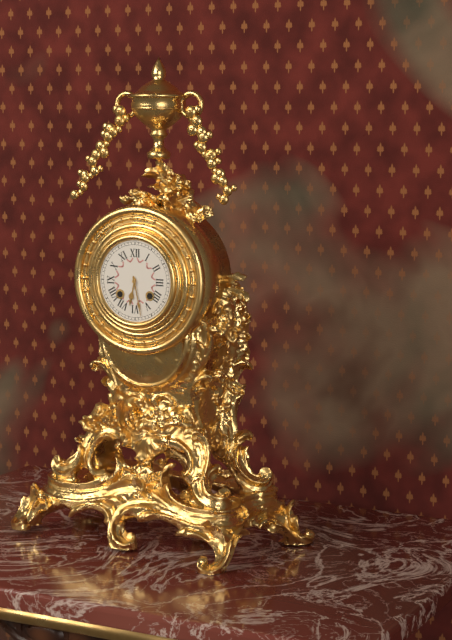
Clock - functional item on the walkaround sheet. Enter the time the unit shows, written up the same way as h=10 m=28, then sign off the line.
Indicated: h=6 m=28
